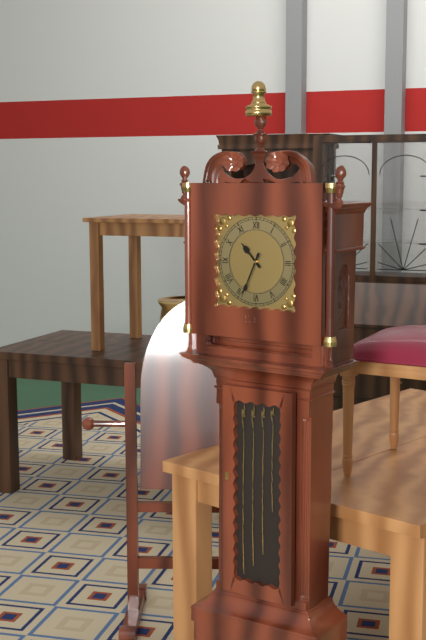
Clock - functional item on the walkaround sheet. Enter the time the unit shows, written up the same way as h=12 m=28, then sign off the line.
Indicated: h=10 m=34
